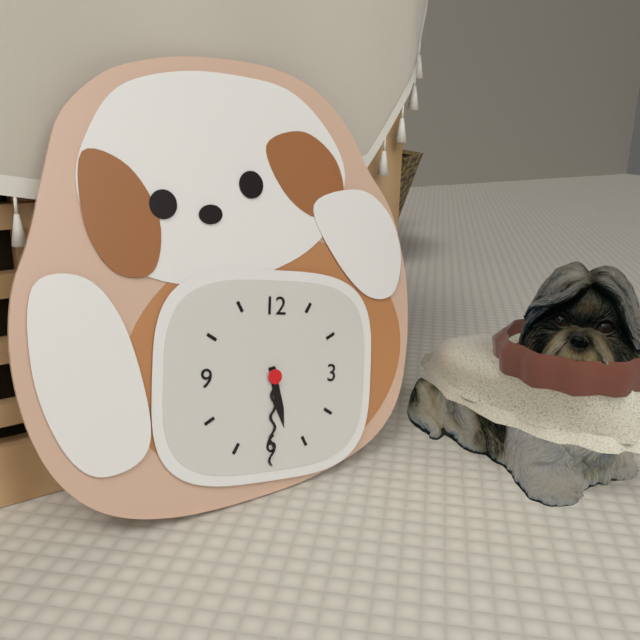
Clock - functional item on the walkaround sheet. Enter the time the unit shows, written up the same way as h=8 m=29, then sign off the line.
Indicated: h=5 m=30
